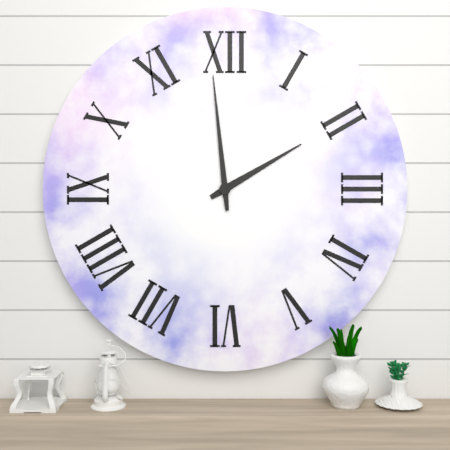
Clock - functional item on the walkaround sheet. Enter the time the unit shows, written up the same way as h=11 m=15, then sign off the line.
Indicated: h=1 m=59
